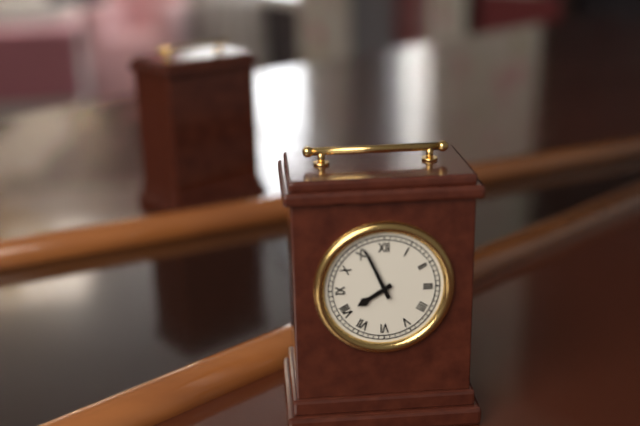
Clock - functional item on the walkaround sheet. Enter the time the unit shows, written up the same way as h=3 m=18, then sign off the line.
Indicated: h=7 m=56
